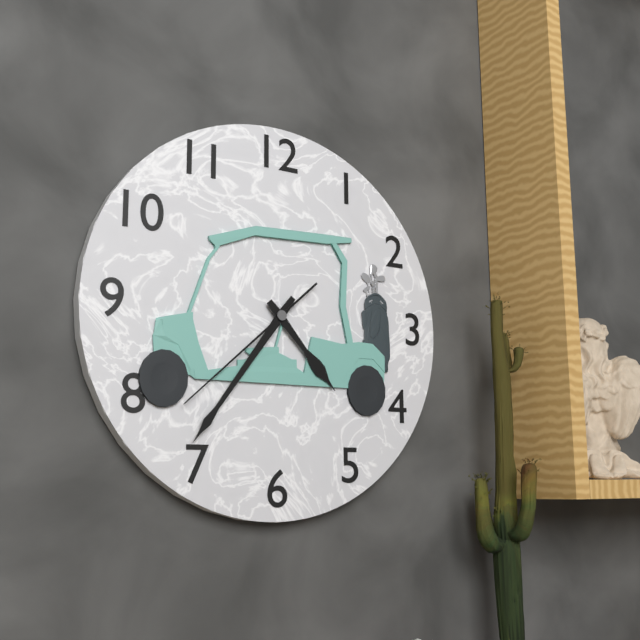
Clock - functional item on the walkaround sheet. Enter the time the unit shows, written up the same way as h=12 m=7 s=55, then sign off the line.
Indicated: h=4 m=36 s=38
